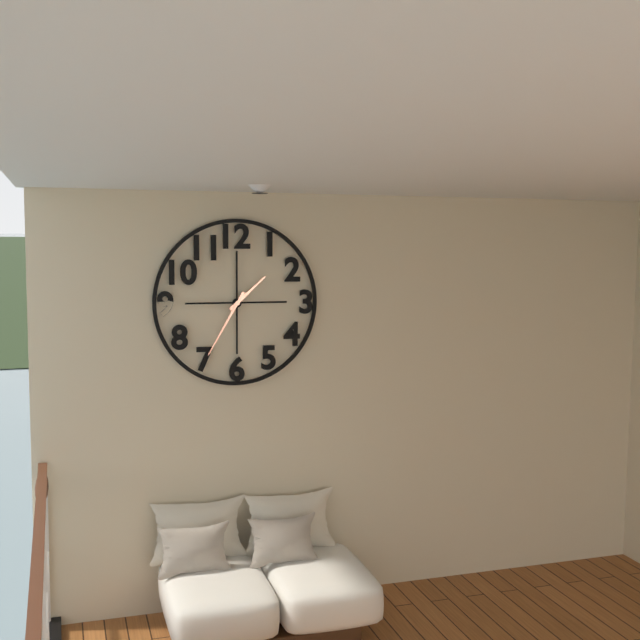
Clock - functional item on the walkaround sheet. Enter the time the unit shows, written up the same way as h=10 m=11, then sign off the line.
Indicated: h=1 m=35
